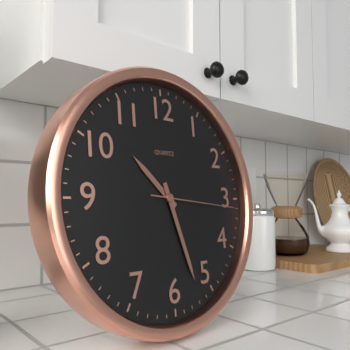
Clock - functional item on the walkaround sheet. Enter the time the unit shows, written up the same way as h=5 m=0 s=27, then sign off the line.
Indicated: h=10 m=27 s=16
